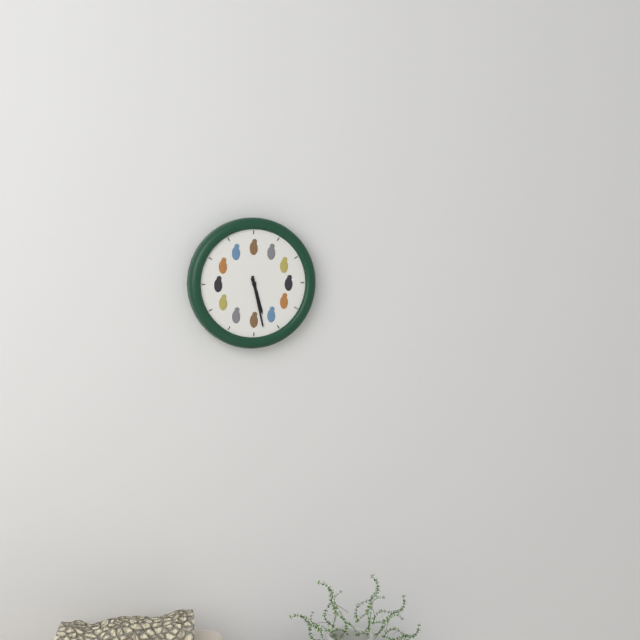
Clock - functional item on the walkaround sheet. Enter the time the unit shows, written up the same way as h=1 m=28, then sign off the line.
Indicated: h=5 m=28
